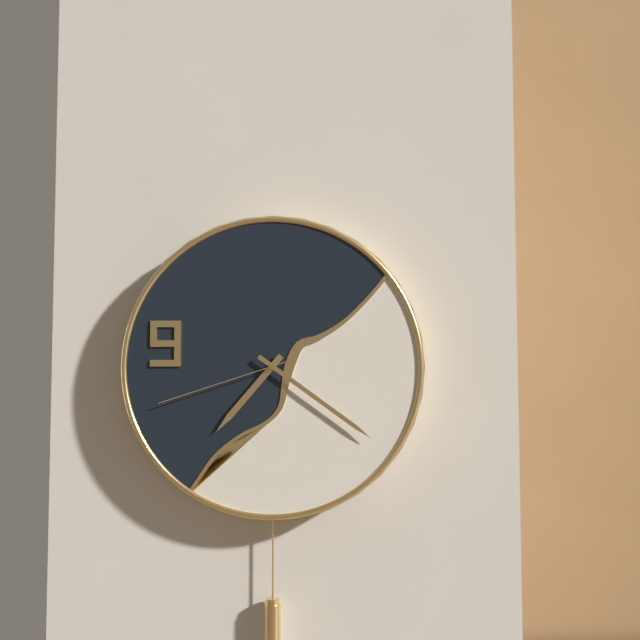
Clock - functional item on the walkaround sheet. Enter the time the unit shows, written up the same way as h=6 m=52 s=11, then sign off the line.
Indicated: h=7 m=21 s=42
